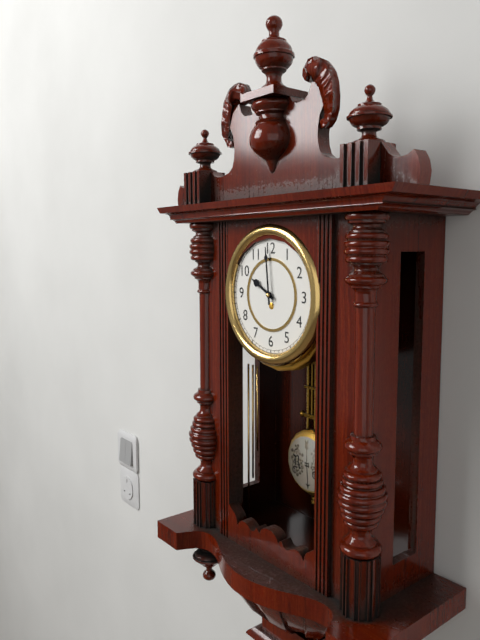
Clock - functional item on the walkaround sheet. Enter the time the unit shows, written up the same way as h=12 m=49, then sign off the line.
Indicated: h=9 m=59
